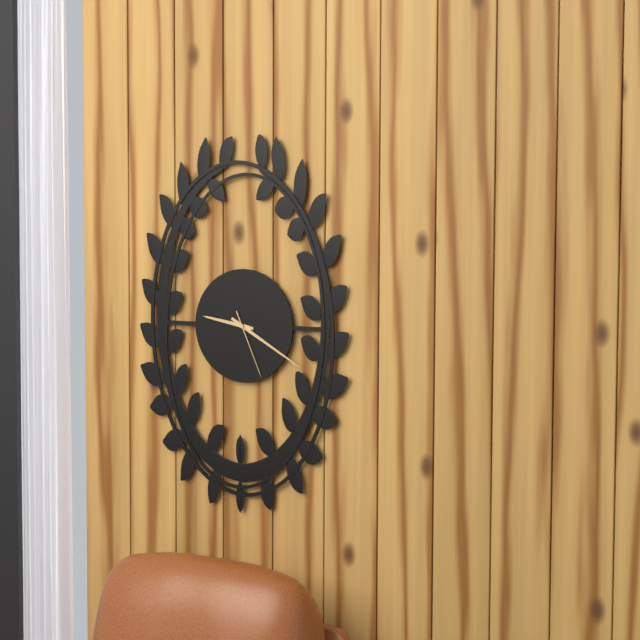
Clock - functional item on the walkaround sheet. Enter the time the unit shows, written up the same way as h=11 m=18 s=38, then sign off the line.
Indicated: h=9 m=20 s=26
